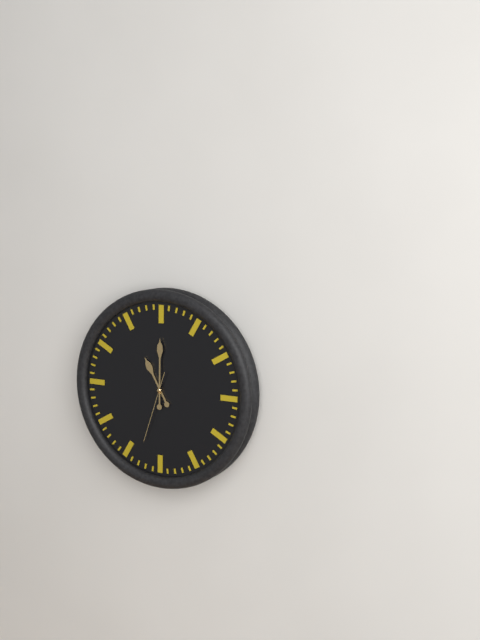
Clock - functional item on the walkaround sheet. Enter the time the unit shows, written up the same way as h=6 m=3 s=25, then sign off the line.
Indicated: h=11 m=0 s=33
